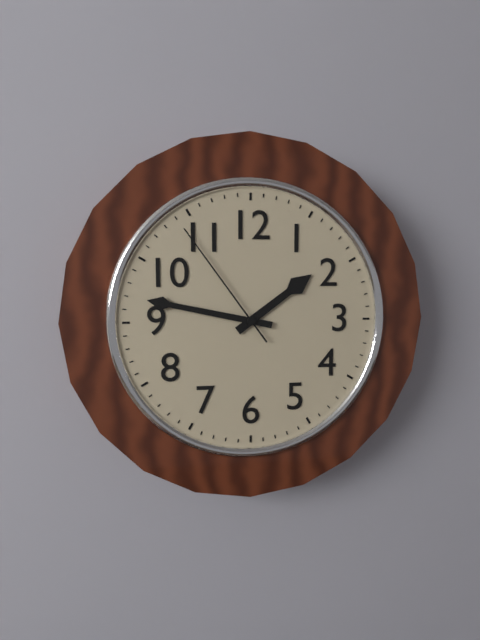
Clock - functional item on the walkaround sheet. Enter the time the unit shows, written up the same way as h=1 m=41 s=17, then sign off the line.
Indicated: h=1 m=47 s=54
